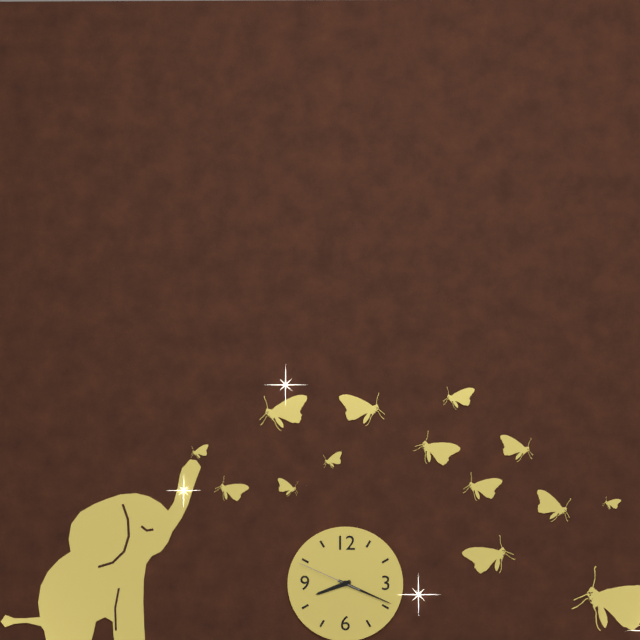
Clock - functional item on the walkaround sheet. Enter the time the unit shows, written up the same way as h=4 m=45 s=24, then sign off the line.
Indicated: h=8 m=19 s=49
